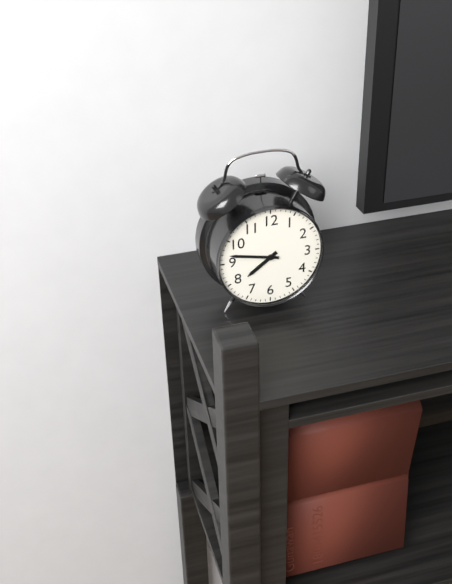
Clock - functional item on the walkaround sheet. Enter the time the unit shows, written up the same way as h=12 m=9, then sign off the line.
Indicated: h=7 m=47
